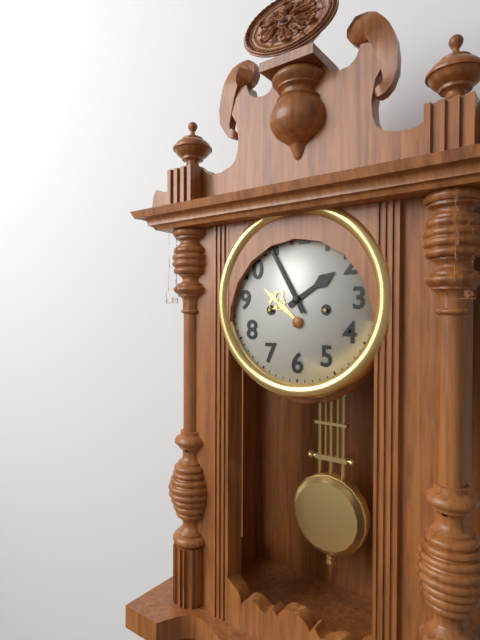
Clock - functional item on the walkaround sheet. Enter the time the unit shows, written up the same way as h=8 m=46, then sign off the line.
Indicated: h=1 m=55
